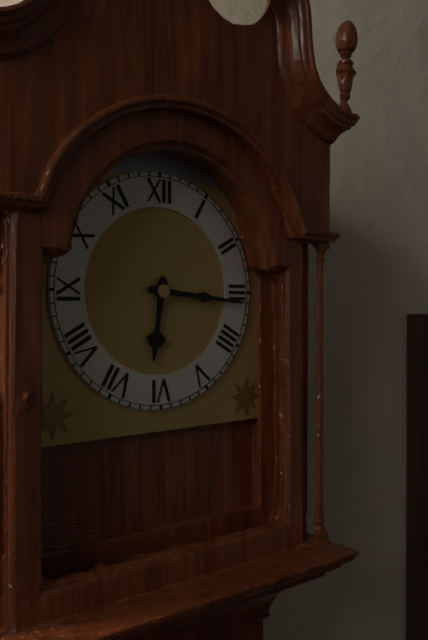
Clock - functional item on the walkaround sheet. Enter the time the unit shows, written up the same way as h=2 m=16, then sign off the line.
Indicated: h=6 m=16
